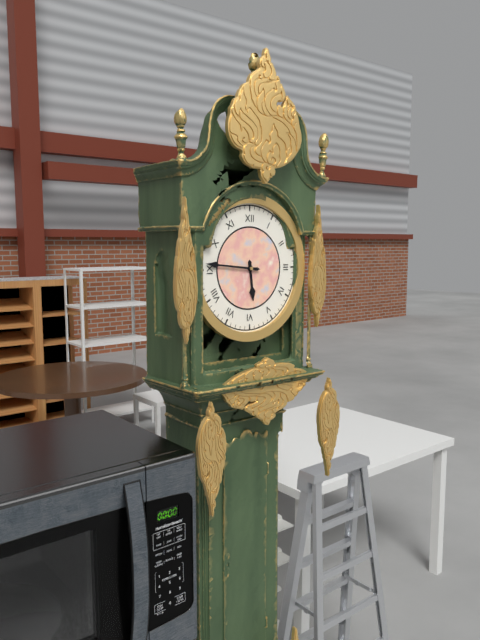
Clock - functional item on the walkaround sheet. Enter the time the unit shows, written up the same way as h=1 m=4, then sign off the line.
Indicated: h=5 m=46
